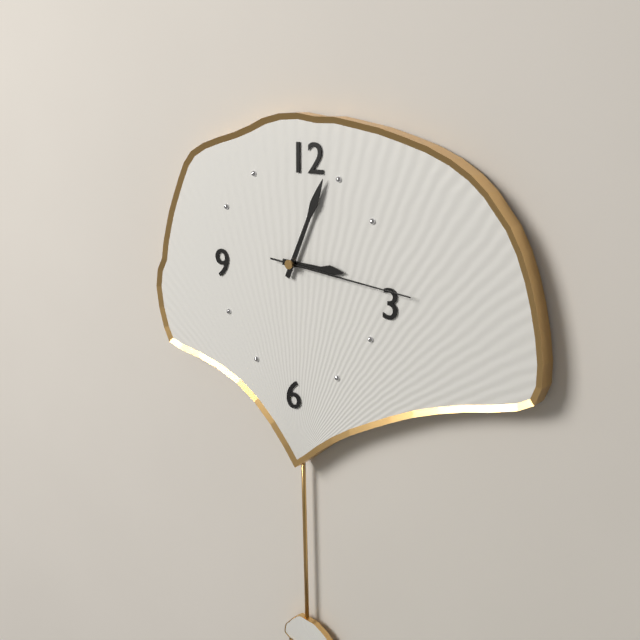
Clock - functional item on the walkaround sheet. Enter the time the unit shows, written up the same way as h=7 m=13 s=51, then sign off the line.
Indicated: h=3 m=4 s=16
